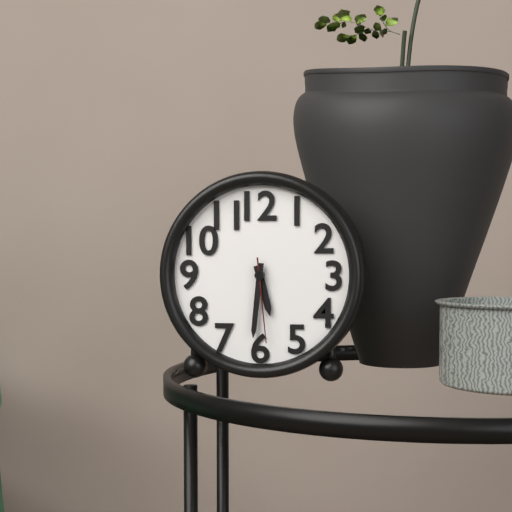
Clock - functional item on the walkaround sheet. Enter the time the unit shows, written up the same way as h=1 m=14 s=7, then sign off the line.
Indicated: h=5 m=31 s=29
